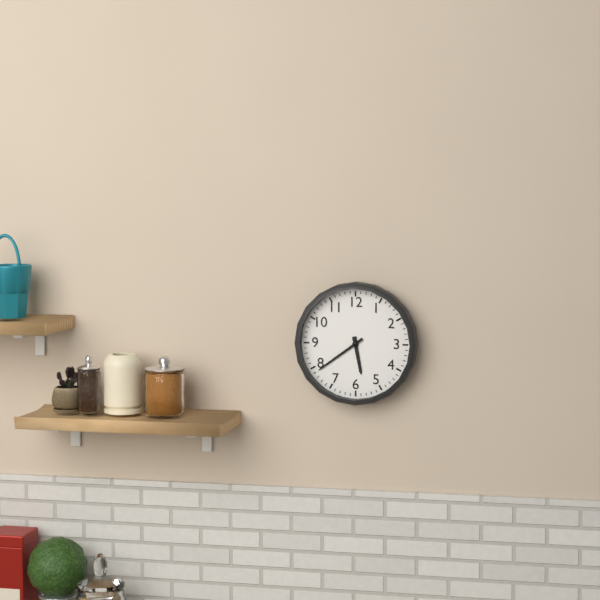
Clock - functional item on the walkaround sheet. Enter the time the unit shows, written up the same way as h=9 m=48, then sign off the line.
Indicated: h=5 m=39
